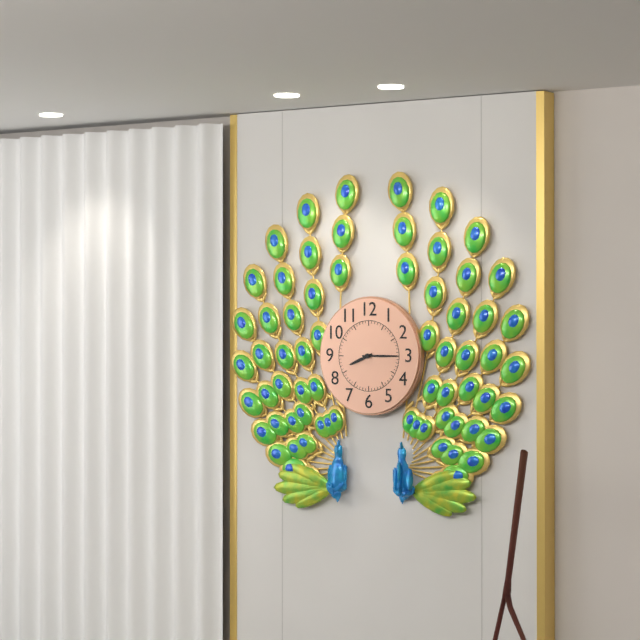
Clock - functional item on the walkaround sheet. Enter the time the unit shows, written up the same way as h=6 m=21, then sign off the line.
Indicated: h=8 m=15
